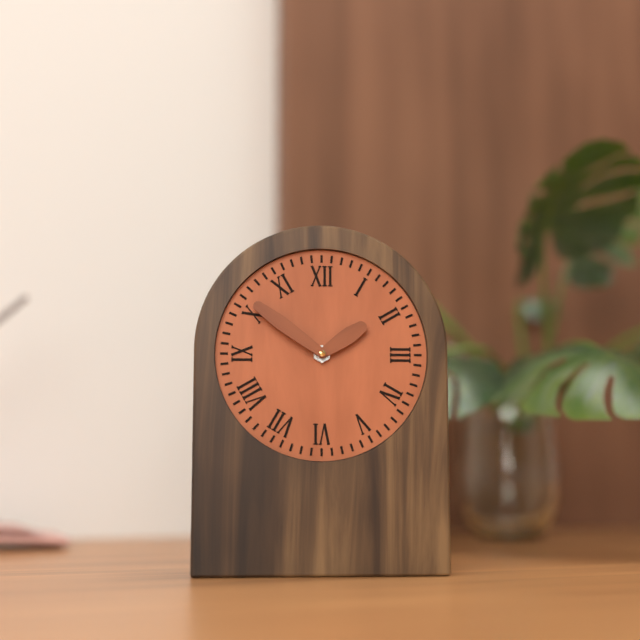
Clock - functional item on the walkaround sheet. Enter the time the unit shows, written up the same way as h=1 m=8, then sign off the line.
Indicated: h=1 m=51
